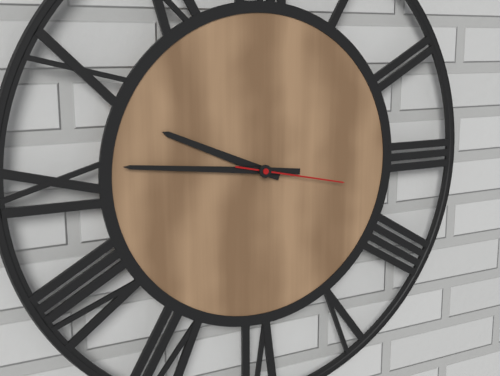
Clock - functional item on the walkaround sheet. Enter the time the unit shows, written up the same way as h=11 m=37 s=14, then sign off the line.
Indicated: h=9 m=46 s=17
